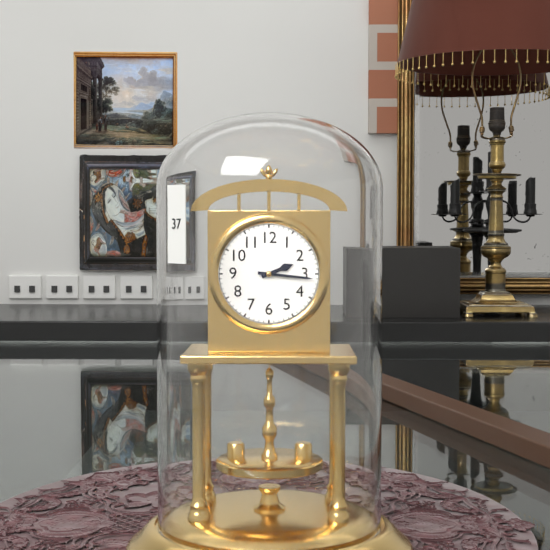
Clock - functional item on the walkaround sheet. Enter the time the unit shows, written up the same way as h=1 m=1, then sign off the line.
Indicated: h=2 m=16
